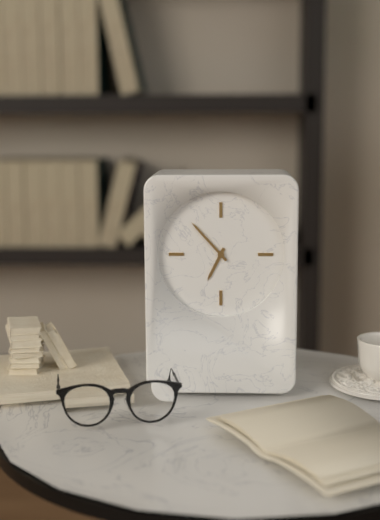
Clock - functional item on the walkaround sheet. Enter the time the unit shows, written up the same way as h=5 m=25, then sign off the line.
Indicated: h=6 m=53
